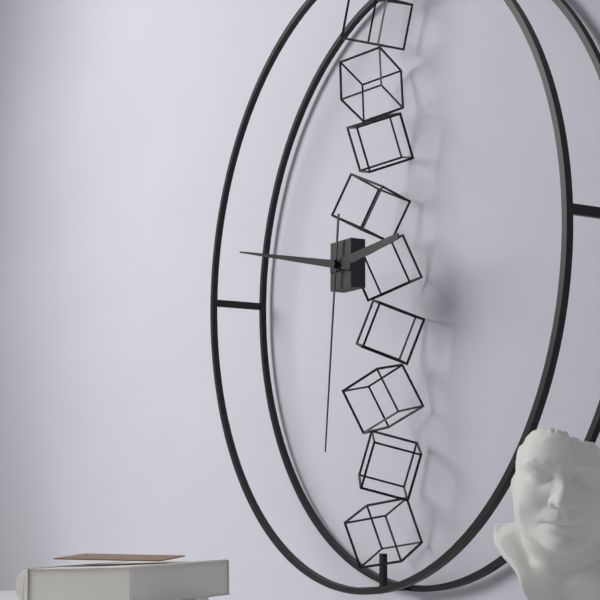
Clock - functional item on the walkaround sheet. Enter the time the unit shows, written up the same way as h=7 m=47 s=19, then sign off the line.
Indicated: h=2 m=47 s=31
